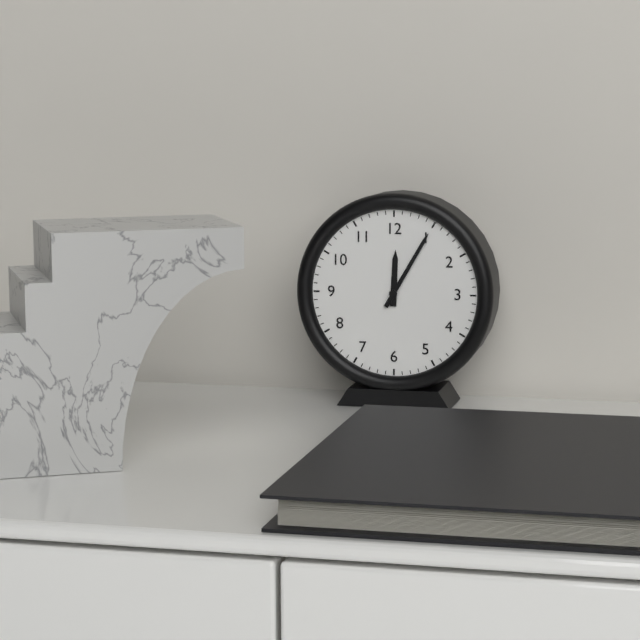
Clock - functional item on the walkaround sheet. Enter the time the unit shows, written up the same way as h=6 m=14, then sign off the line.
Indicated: h=12 m=5
